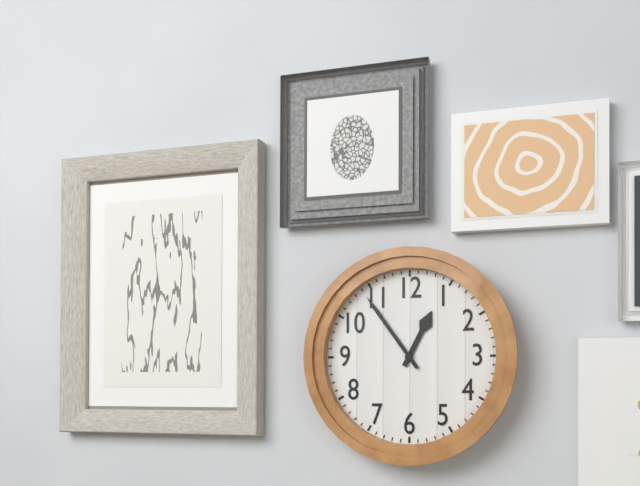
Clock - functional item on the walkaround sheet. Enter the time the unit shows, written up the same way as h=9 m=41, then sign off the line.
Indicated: h=12 m=54
